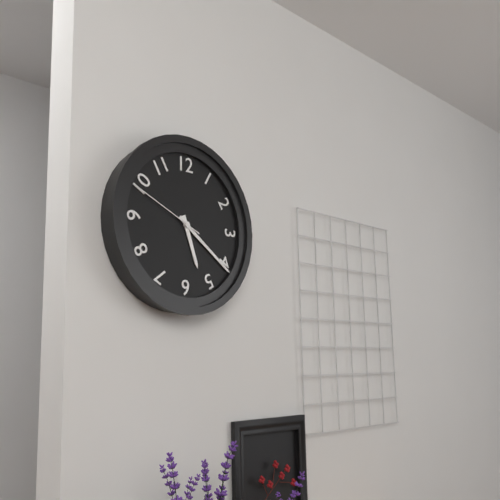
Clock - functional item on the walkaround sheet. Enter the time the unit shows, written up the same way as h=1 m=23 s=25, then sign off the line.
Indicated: h=5 m=21 s=49
